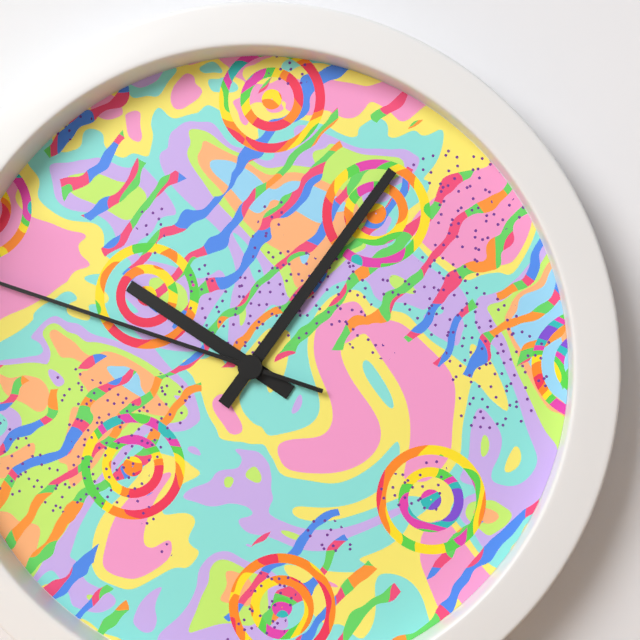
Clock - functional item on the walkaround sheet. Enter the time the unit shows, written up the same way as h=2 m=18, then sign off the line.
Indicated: h=10 m=6
